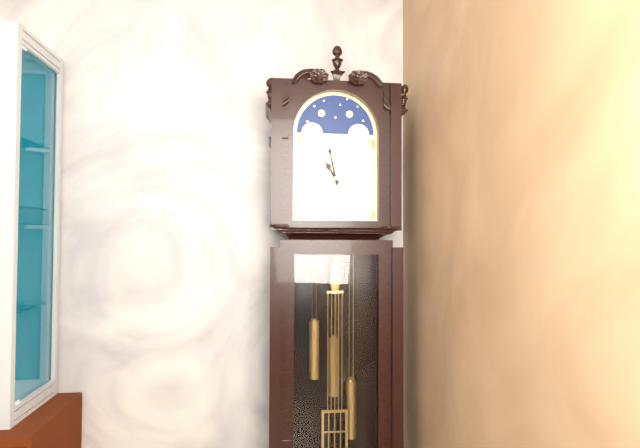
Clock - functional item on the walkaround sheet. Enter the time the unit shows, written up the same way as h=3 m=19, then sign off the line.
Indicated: h=10 m=58
